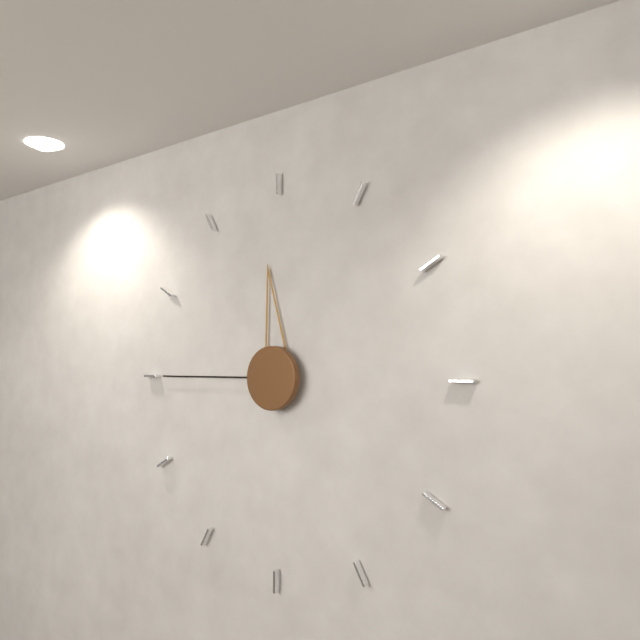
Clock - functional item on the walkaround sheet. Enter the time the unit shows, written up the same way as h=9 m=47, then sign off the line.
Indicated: h=11 m=45
